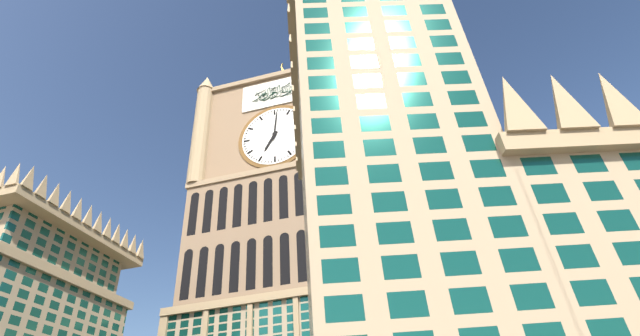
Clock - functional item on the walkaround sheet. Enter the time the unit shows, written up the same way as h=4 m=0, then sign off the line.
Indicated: h=7 m=1
